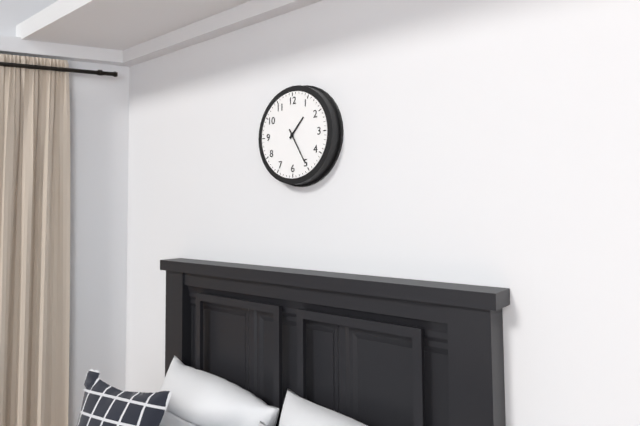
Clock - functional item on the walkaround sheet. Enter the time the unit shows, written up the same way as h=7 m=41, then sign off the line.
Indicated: h=1 m=25
